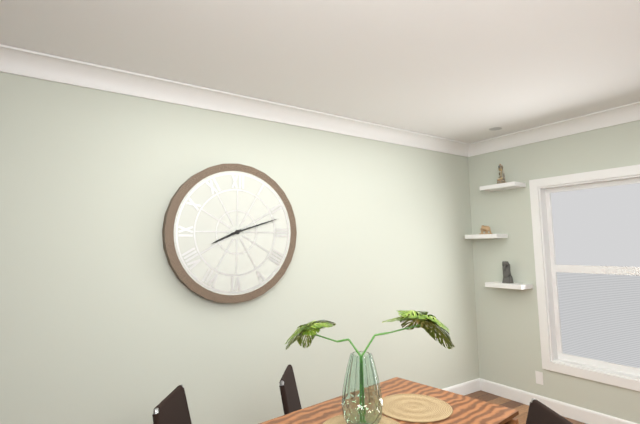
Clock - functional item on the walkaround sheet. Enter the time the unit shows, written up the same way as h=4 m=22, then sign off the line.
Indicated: h=8 m=12
